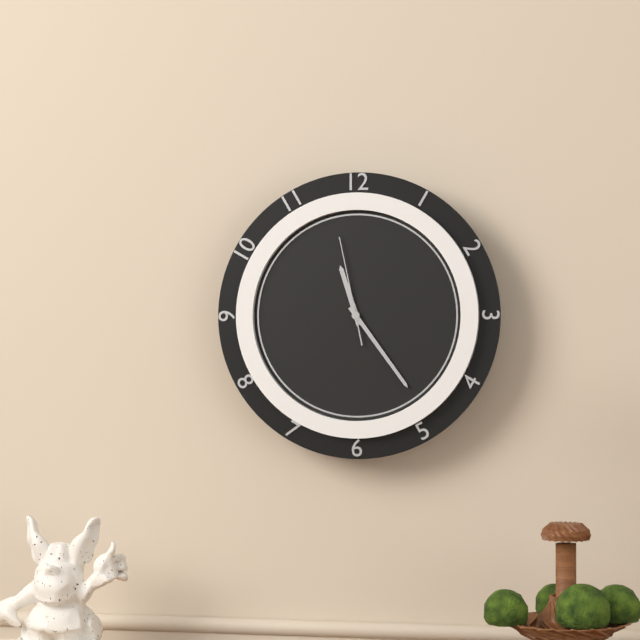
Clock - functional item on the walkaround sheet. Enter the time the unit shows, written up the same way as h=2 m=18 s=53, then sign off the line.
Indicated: h=11 m=24 s=58
